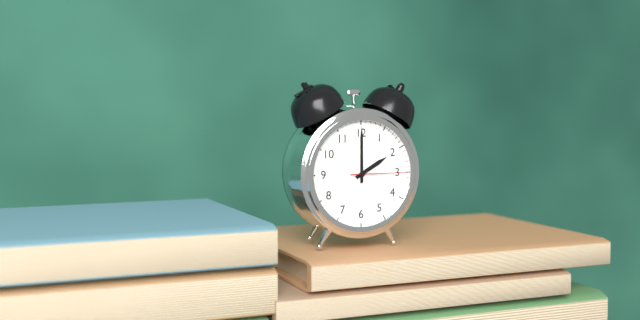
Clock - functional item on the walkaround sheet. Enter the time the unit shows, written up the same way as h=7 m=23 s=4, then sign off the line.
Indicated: h=2 m=0 s=15
